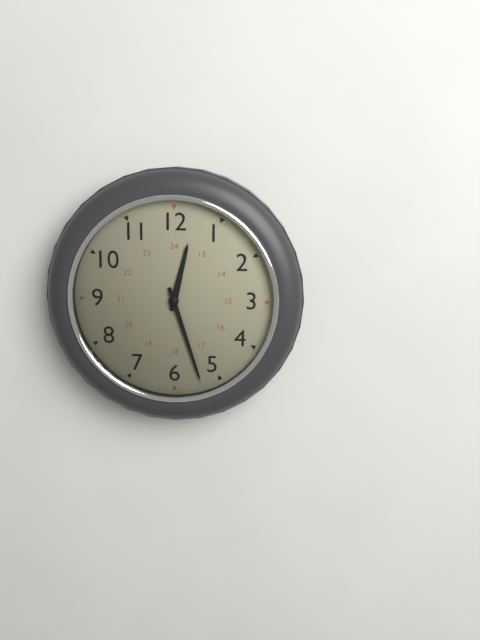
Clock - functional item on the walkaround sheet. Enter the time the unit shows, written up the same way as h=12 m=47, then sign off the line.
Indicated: h=12 m=27
